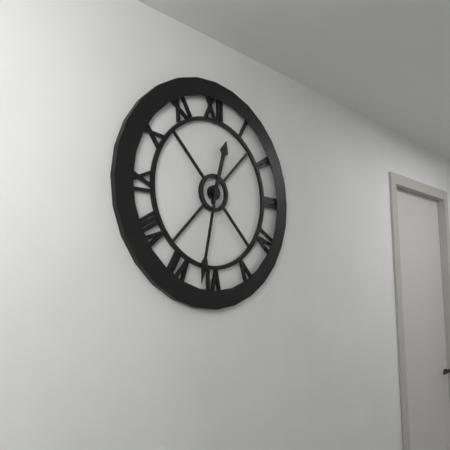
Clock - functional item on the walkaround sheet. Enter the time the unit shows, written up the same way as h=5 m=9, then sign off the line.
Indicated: h=12 m=32
